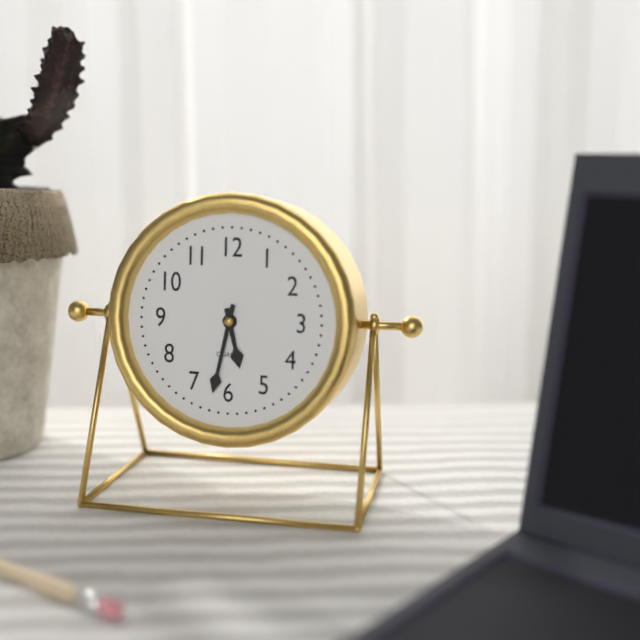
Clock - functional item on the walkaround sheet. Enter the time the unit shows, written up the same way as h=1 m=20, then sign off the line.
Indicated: h=5 m=32
